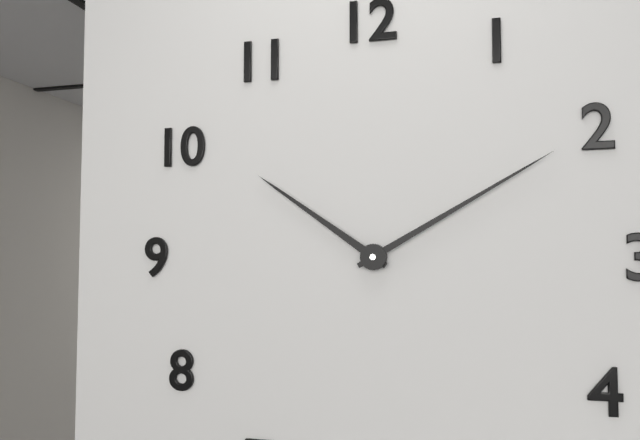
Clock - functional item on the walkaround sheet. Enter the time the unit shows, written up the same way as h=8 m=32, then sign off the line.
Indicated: h=10 m=10
